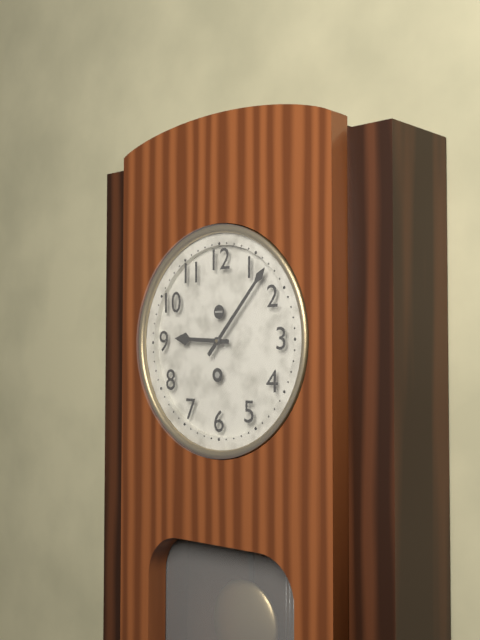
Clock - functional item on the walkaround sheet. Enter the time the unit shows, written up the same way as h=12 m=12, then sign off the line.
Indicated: h=9 m=7
